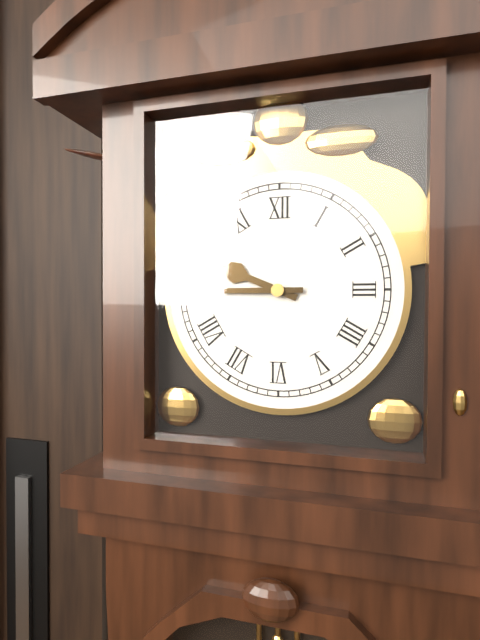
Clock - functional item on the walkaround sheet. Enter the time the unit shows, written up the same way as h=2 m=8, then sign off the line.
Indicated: h=9 m=45
